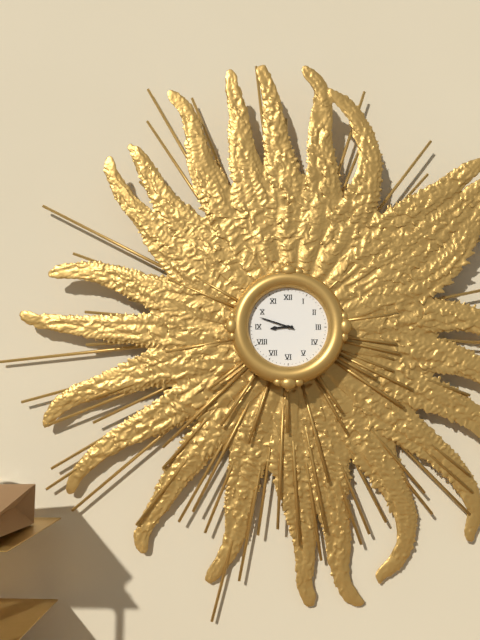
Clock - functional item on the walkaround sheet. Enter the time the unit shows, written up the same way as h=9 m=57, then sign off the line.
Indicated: h=8 m=48
